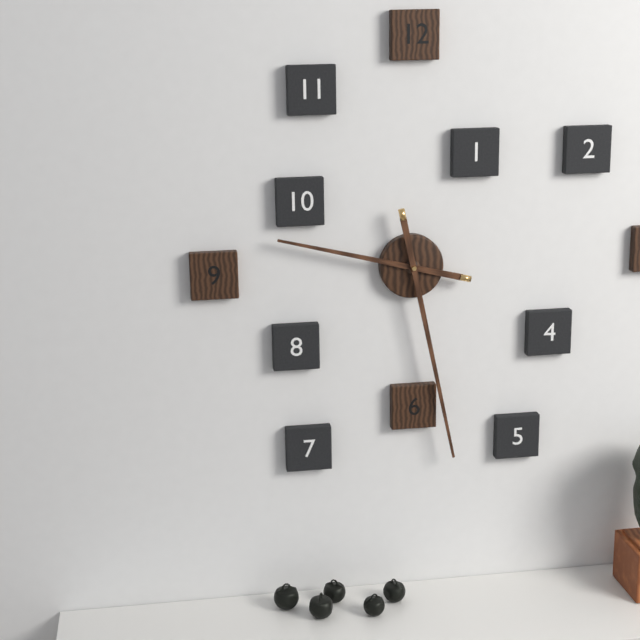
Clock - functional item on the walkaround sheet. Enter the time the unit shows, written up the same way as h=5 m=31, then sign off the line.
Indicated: h=9 m=28
